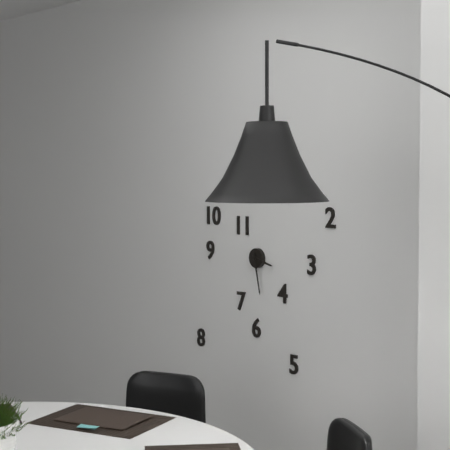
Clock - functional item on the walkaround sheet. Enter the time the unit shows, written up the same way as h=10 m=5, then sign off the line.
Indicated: h=3 m=28
